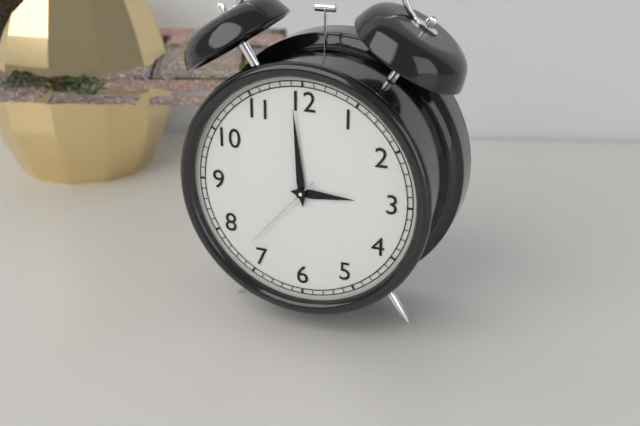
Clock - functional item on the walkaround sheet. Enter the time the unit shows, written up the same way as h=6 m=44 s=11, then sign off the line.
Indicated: h=2 m=59 s=37
